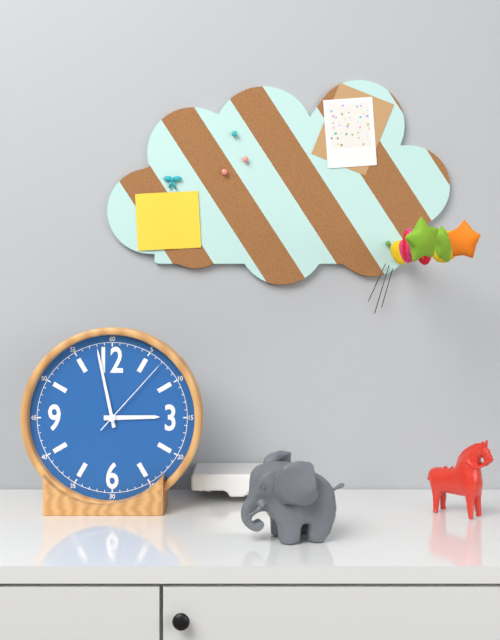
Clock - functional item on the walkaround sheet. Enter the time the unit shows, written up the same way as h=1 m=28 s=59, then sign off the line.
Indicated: h=2 m=58 s=7
